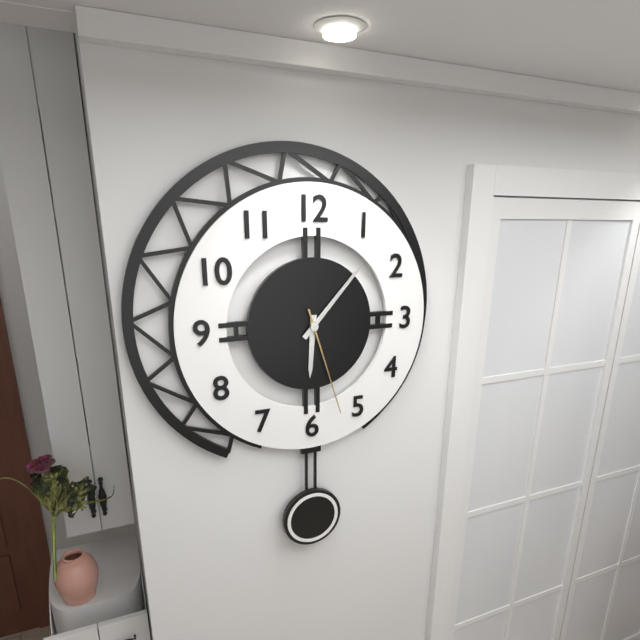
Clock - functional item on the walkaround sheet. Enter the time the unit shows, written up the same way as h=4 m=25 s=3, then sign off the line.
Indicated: h=6 m=7 s=27
